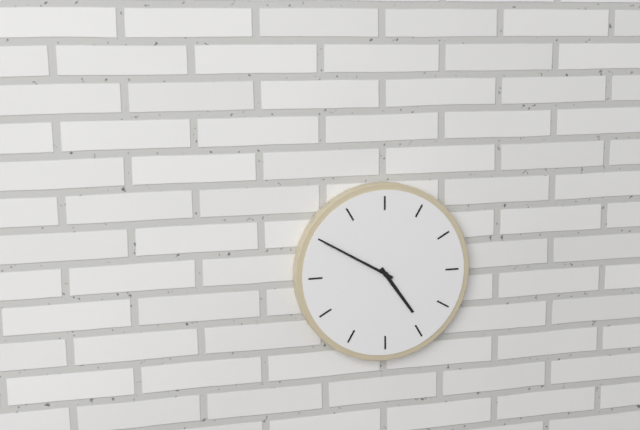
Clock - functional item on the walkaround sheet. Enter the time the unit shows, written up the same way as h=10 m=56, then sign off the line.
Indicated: h=4 m=50
